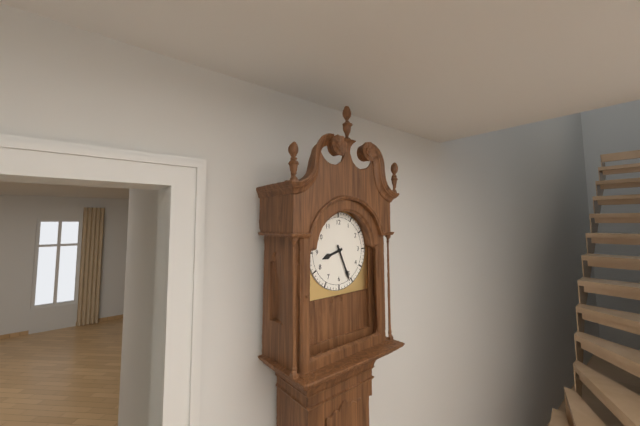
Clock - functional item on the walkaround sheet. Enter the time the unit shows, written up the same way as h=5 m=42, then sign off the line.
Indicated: h=8 m=26
